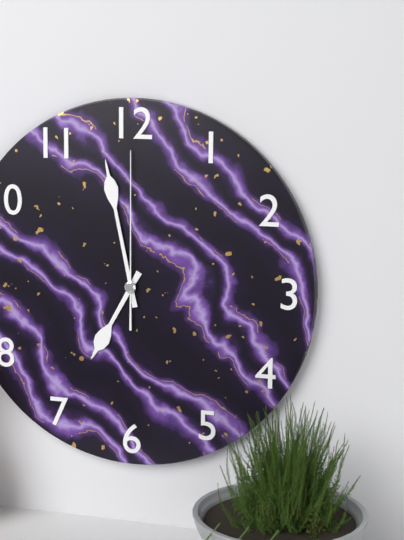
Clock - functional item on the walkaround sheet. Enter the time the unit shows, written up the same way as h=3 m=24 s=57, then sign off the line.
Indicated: h=6 m=58 s=0
